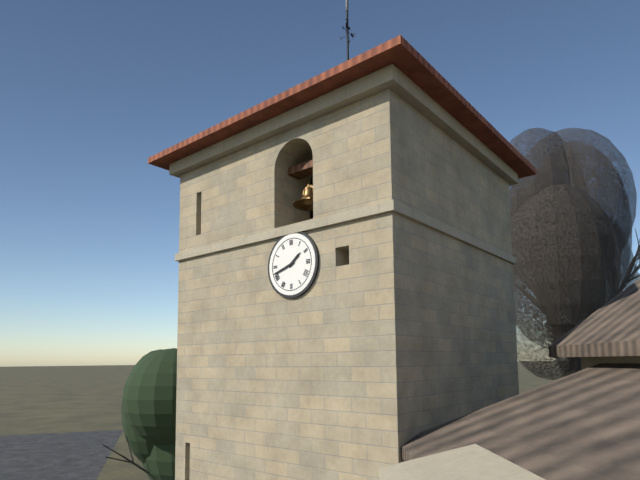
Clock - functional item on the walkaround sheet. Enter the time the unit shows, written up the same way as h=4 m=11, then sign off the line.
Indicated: h=1 m=42
